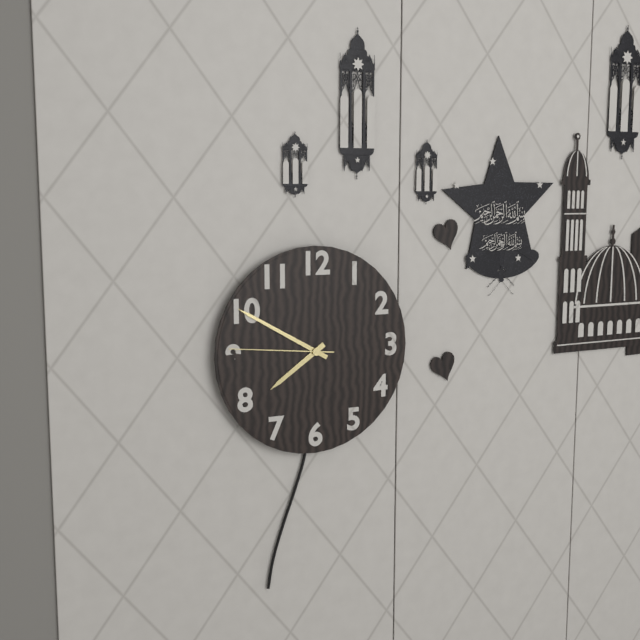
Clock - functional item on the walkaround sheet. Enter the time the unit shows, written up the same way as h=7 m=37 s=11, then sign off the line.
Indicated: h=7 m=50 s=46
